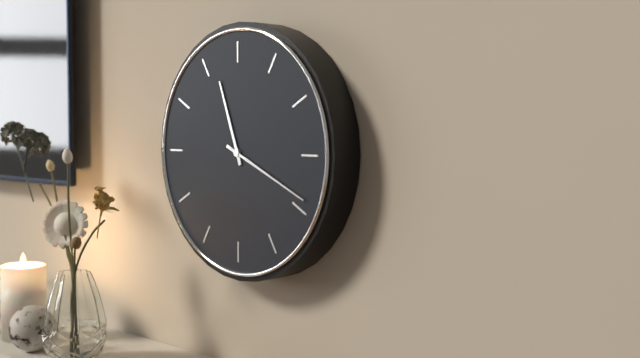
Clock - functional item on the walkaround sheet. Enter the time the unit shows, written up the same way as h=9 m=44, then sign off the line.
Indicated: h=11 m=19
